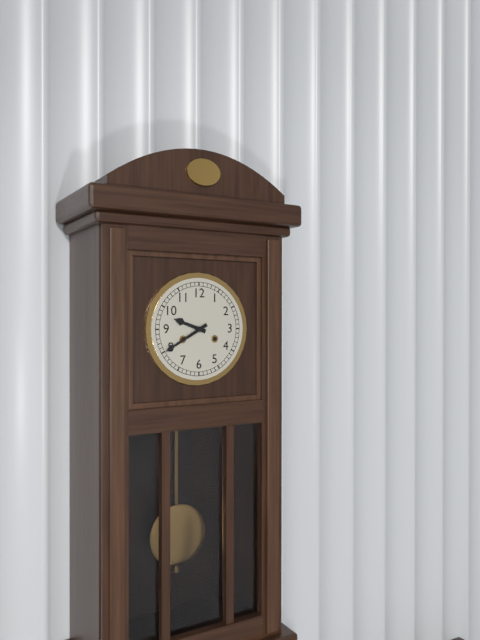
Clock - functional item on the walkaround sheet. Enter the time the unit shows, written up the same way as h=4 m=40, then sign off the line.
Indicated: h=9 m=40
